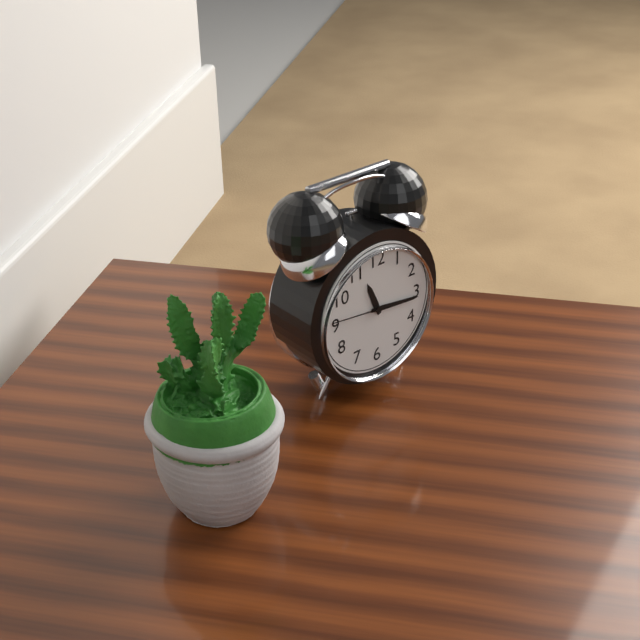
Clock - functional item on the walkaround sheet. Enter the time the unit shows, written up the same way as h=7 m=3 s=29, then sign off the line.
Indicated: h=11 m=16 s=46
